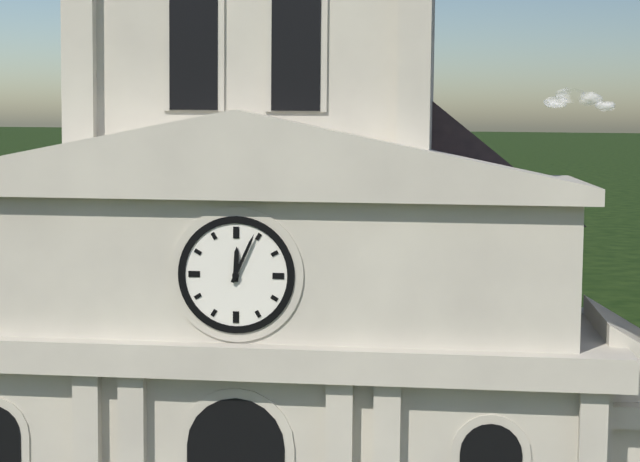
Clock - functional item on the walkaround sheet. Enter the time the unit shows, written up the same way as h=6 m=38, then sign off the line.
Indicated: h=12 m=4
